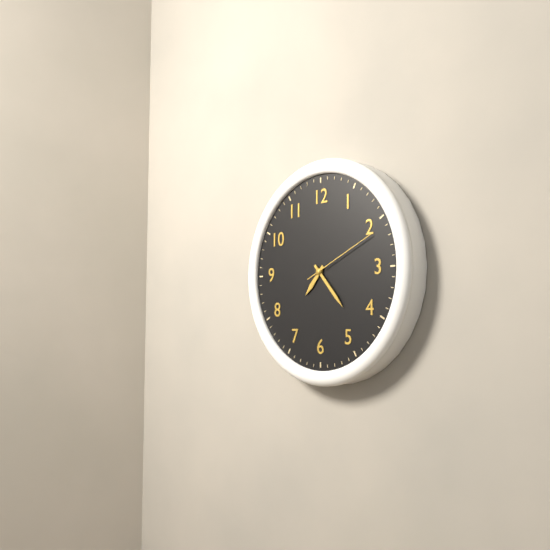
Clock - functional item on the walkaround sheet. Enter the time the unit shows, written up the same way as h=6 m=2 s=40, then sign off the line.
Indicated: h=7 m=23 s=11
